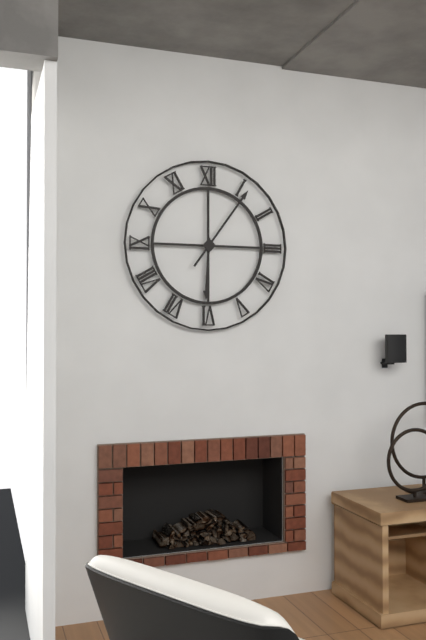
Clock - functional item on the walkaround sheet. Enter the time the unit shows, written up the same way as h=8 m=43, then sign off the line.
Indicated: h=6 m=6
